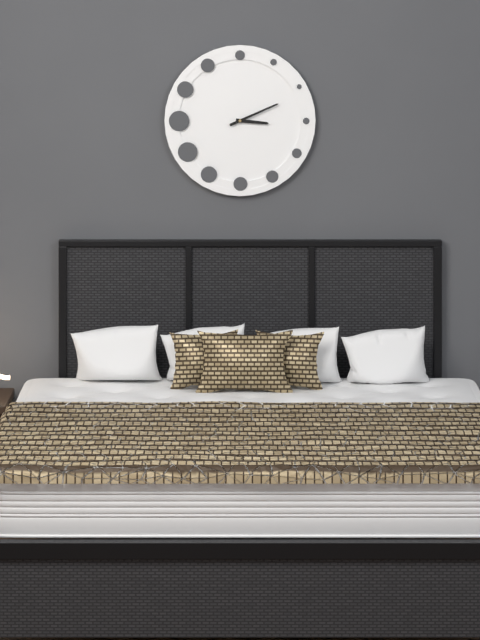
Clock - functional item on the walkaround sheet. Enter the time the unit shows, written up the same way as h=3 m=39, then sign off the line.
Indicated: h=3 m=11
